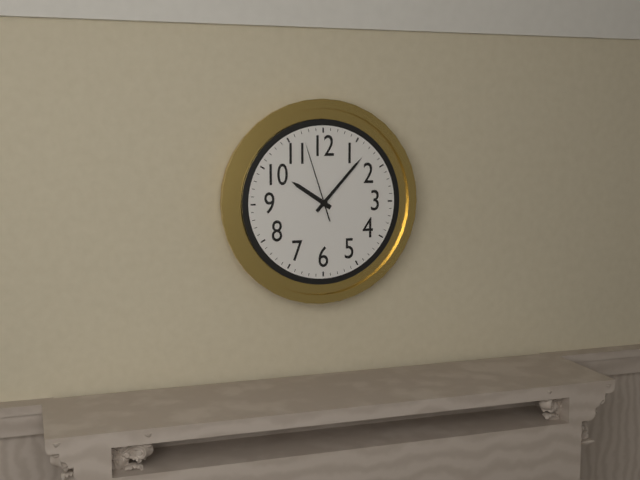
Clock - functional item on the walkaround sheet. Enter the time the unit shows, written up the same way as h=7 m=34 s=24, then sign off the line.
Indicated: h=10 m=7 s=57
